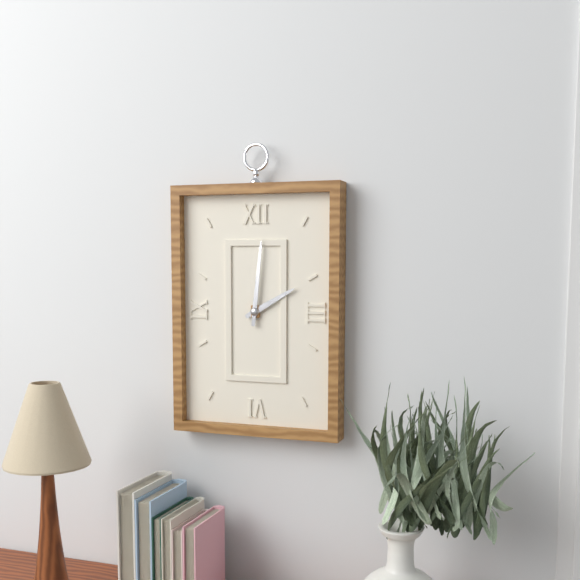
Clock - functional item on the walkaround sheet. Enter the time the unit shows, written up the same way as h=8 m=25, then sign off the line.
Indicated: h=2 m=1
